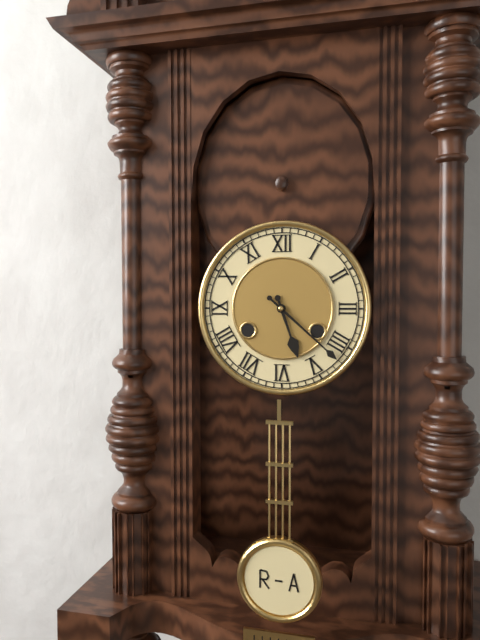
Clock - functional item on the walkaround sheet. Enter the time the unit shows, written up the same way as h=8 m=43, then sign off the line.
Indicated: h=5 m=22
